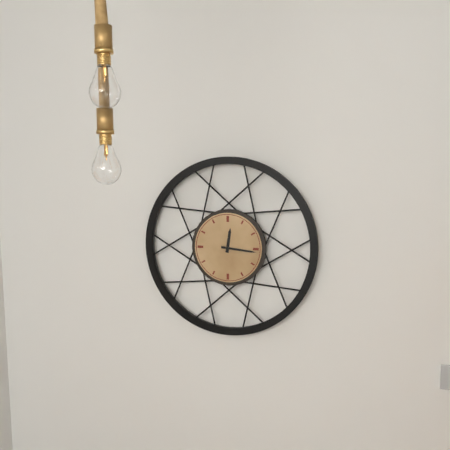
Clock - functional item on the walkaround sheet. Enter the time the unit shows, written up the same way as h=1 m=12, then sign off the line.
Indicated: h=12 m=16
